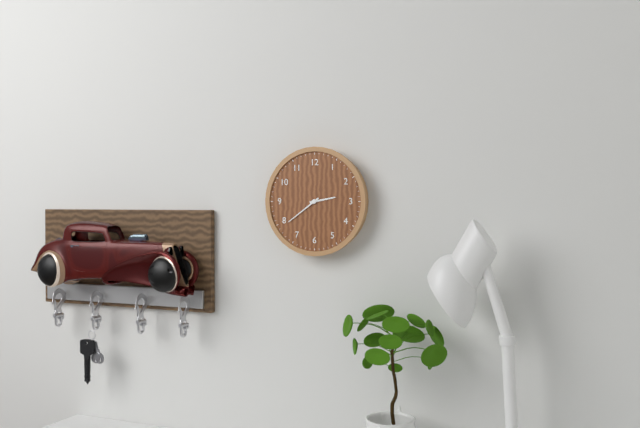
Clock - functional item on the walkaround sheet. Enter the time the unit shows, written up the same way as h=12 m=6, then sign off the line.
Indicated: h=2 m=39
